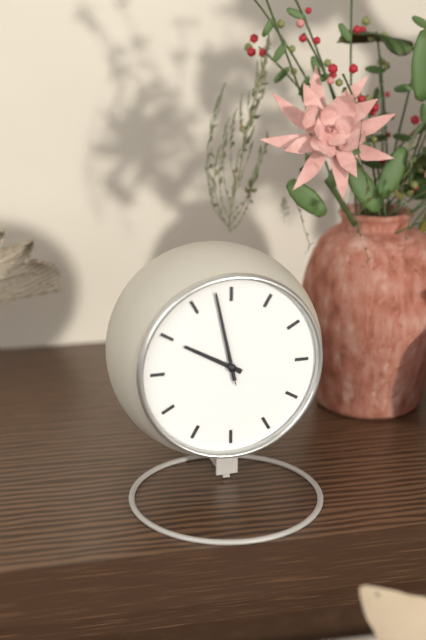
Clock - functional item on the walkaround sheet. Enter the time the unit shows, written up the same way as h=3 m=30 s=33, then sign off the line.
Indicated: h=9 m=58 s=58
